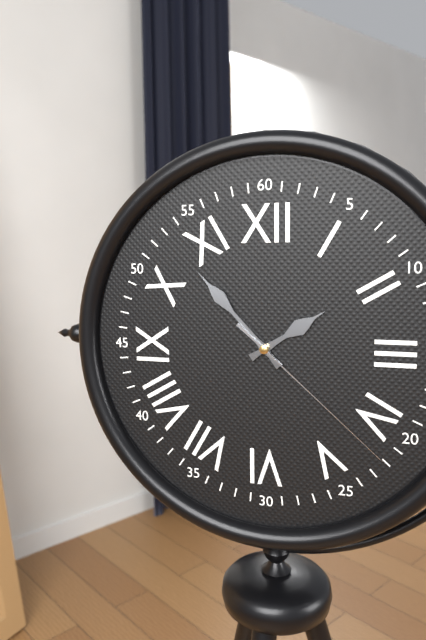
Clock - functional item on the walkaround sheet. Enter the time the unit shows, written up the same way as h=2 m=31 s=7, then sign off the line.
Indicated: h=1 m=53 s=22
